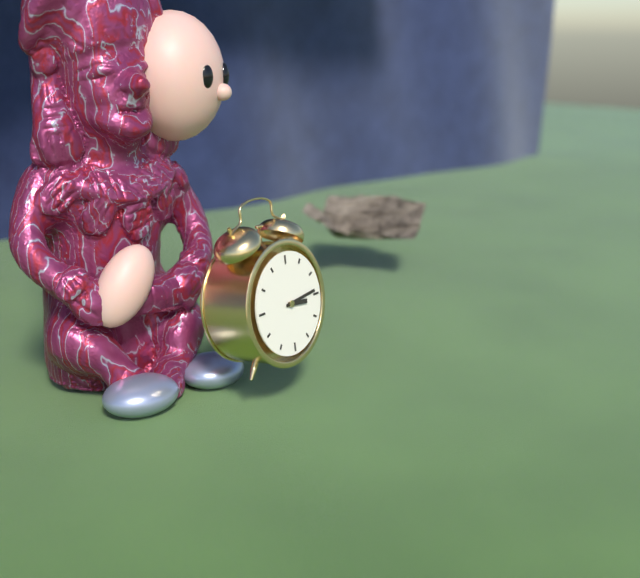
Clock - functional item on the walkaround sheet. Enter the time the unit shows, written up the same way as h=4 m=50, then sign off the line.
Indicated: h=3 m=14
